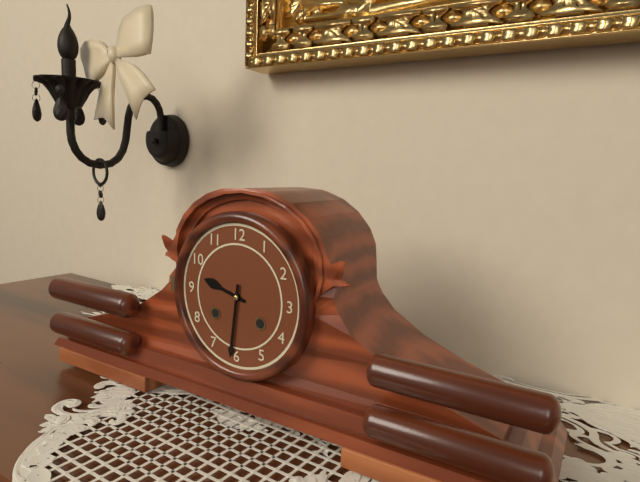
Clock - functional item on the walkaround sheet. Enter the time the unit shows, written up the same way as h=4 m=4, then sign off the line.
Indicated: h=9 m=31
